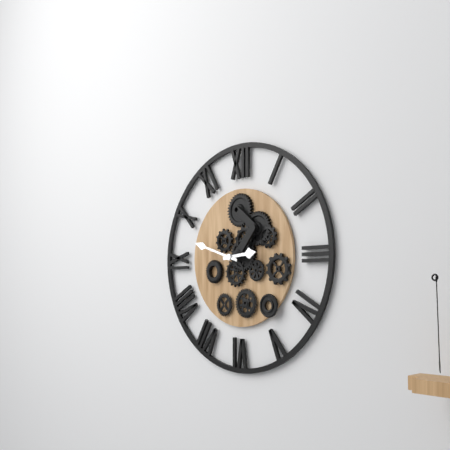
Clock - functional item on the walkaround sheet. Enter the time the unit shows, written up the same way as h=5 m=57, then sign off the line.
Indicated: h=2 m=48
